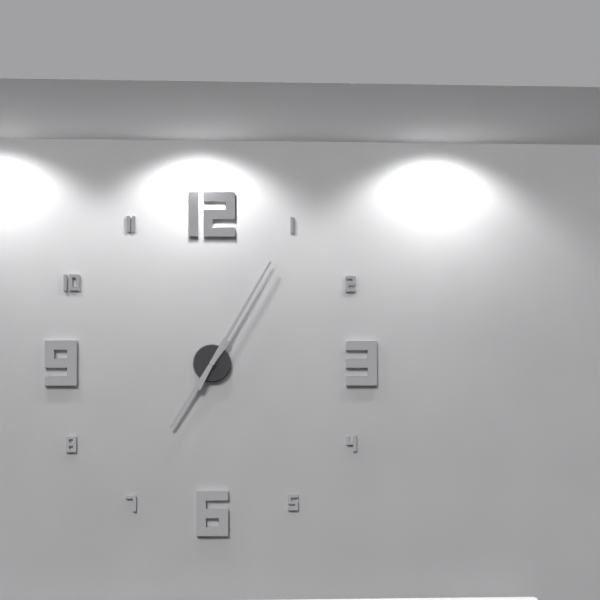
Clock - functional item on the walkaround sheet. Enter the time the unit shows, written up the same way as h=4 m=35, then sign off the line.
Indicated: h=7 m=5
